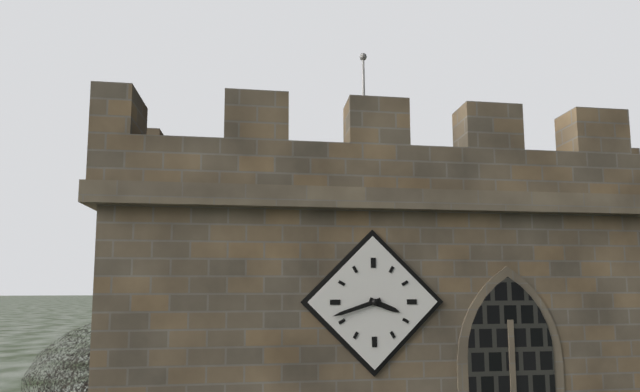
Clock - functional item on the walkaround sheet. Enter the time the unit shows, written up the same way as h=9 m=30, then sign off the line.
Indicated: h=3 m=42
